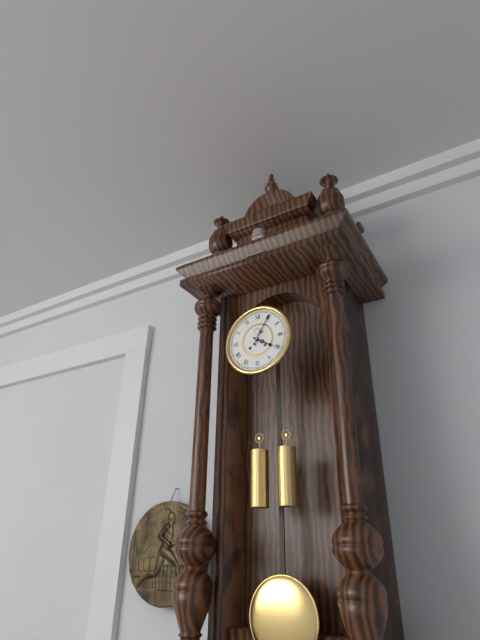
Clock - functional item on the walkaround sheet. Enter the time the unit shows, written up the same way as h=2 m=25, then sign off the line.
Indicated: h=4 m=5
